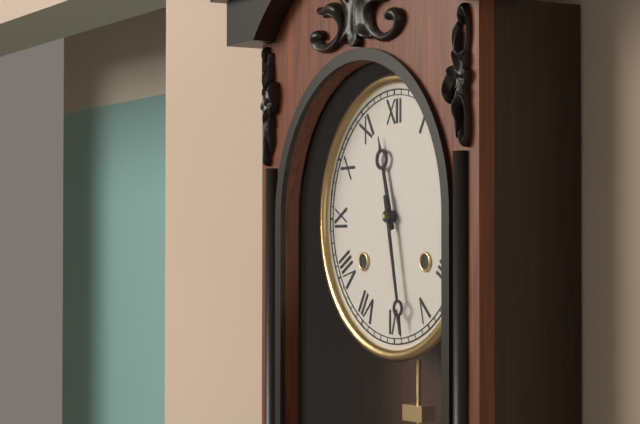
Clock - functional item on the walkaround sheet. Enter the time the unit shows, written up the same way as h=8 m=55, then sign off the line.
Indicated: h=11 m=28
